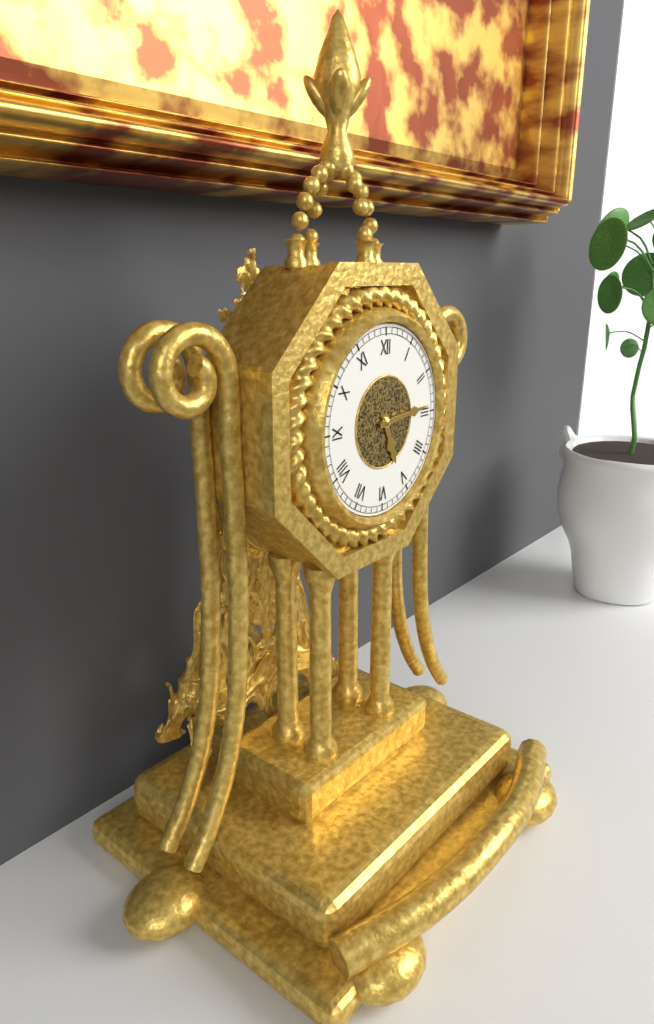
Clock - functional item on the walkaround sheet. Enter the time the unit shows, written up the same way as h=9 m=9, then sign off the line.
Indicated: h=5 m=14
